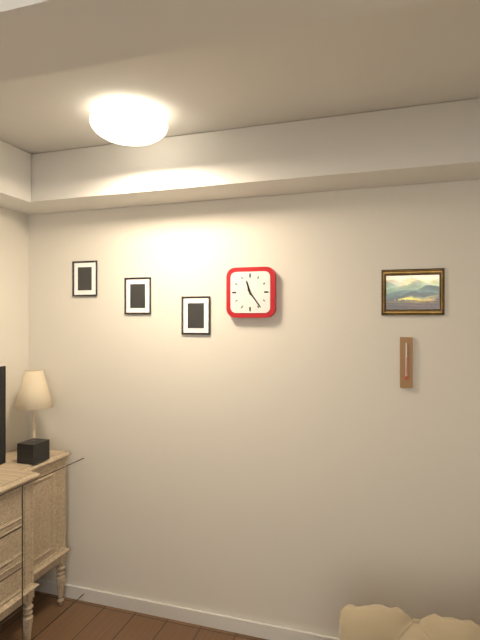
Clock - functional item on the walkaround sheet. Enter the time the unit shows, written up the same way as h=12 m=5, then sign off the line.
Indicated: h=11 m=24
